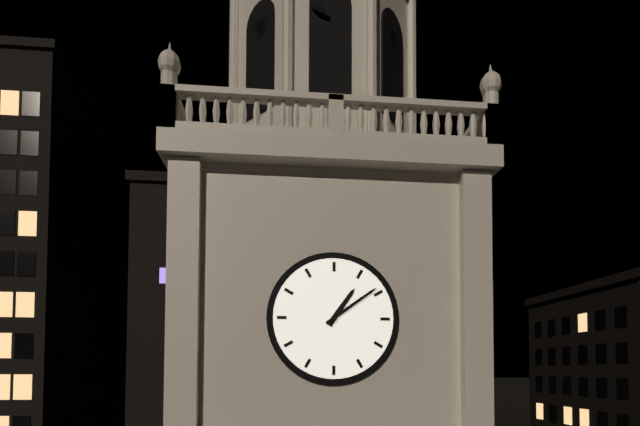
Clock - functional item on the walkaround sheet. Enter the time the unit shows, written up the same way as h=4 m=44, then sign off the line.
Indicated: h=1 m=9
